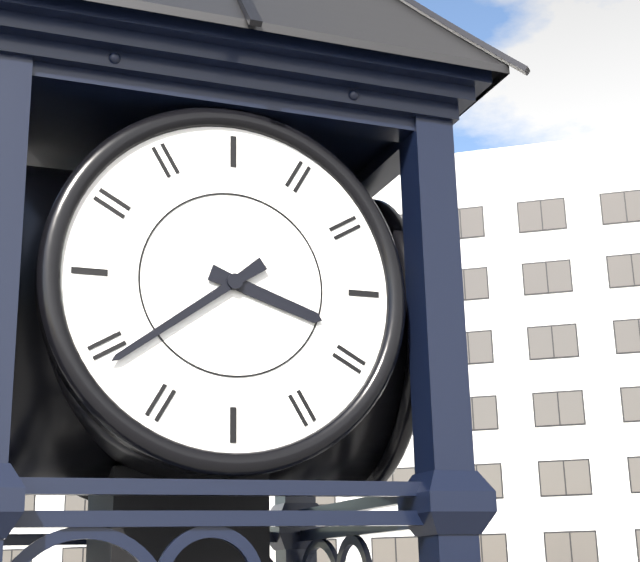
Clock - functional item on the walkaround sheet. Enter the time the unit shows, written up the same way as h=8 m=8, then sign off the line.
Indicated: h=3 m=39
